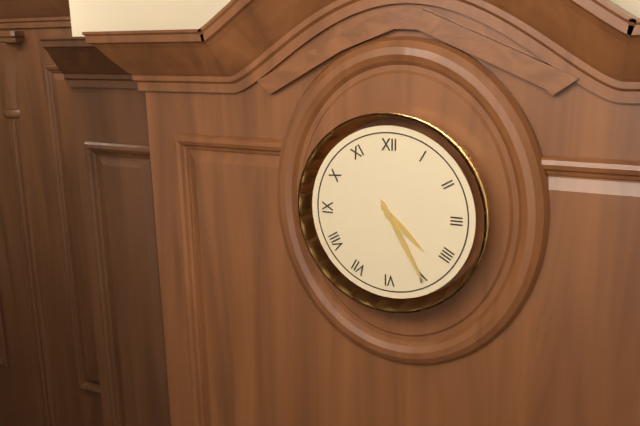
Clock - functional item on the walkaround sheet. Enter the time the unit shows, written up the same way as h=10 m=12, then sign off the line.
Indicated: h=4 m=25
